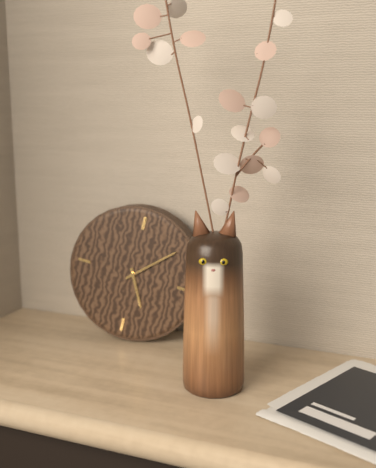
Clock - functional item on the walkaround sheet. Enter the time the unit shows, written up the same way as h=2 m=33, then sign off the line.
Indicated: h=5 m=8
